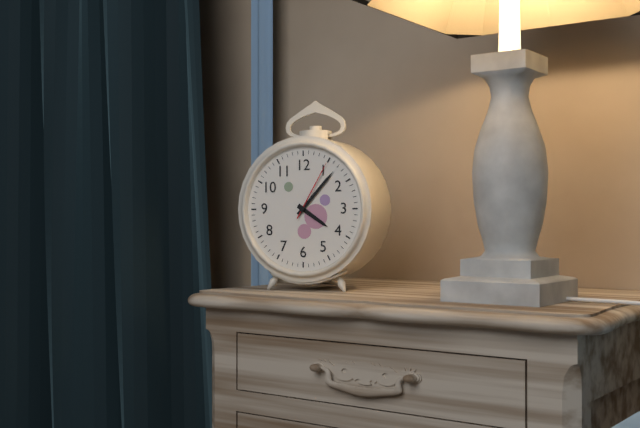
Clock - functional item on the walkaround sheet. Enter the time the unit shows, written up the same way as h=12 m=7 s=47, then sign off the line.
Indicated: h=4 m=7 s=5
